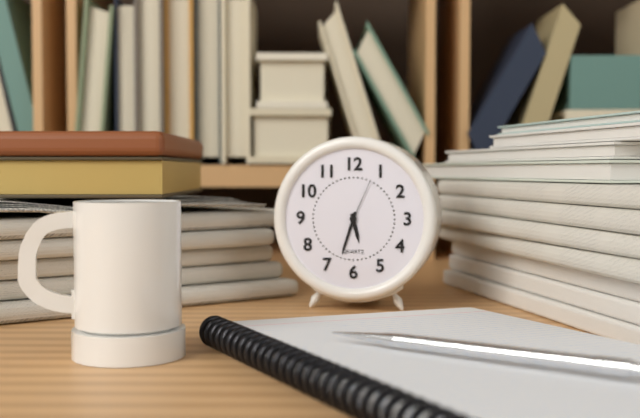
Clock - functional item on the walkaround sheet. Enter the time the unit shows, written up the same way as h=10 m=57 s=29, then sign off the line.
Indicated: h=5 m=33 s=4
